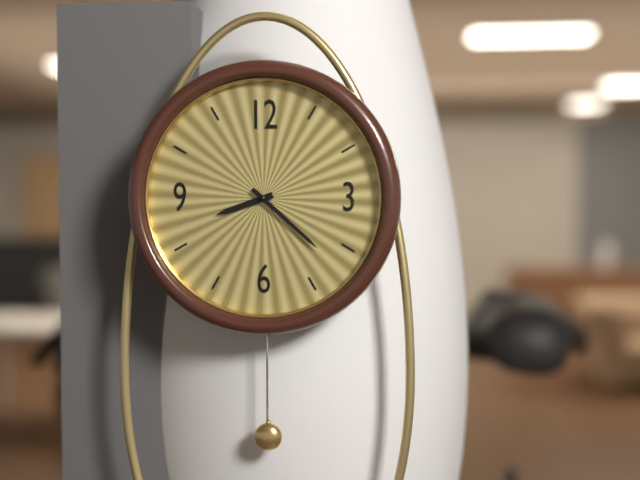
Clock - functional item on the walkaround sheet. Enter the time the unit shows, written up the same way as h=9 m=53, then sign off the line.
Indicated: h=8 m=22
